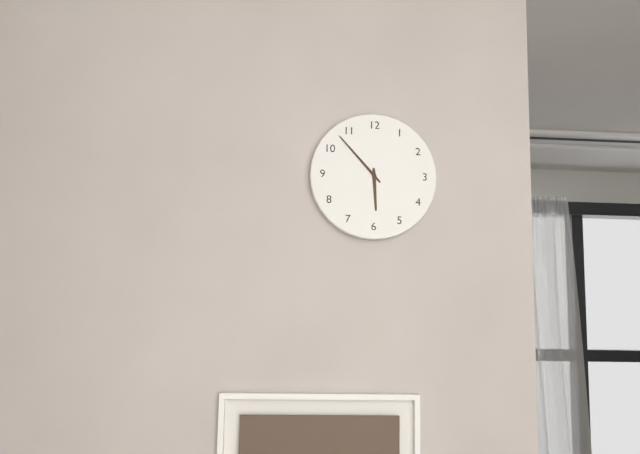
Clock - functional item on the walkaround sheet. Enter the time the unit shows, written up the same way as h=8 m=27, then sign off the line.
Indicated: h=5 m=53
